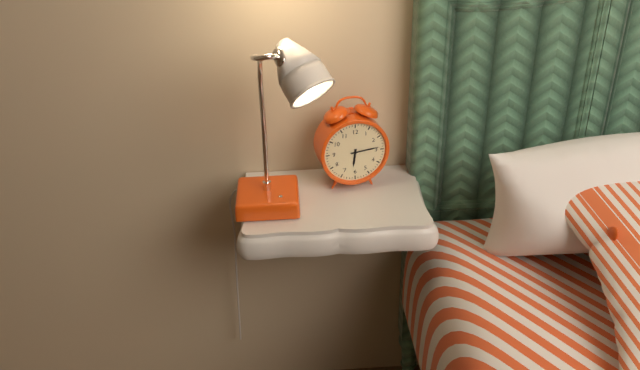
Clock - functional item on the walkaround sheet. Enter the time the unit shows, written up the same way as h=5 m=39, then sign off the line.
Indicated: h=6 m=14
